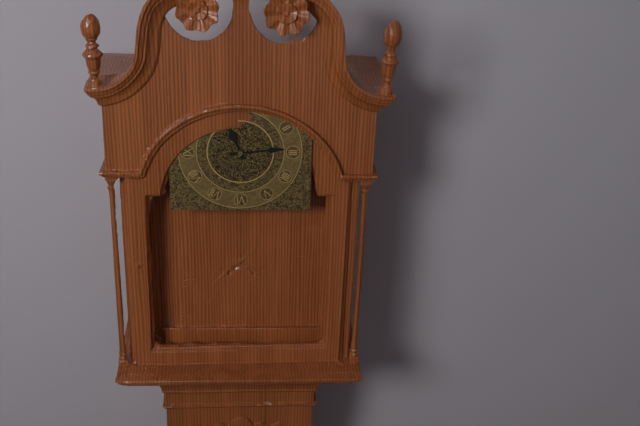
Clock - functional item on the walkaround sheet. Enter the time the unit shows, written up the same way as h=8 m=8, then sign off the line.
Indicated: h=11 m=14
